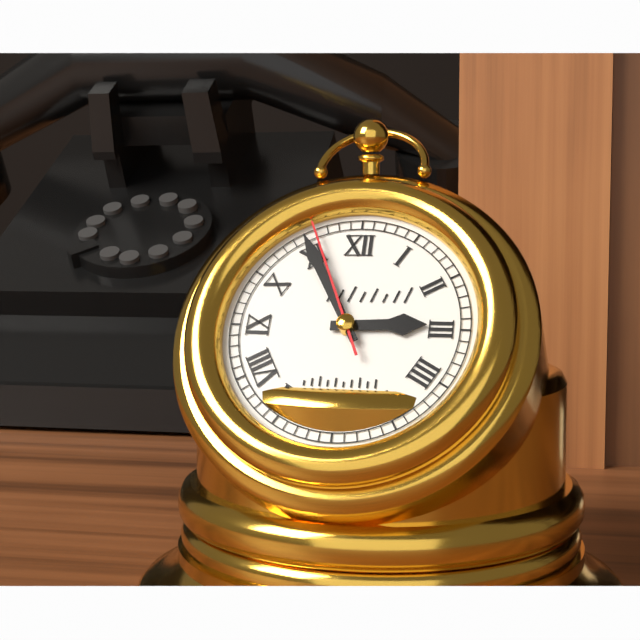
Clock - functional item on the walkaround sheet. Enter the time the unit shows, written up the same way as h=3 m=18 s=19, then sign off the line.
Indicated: h=2 m=55 s=56
